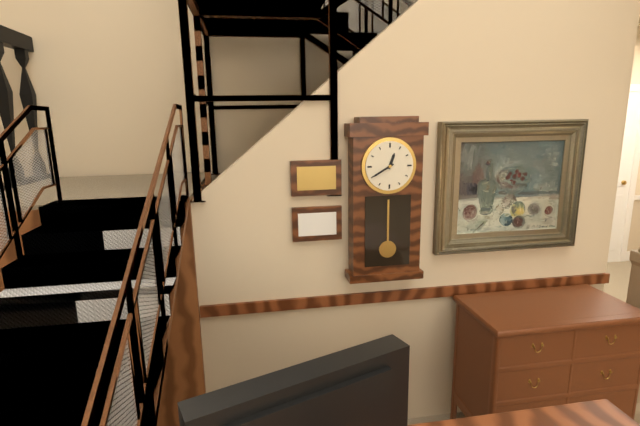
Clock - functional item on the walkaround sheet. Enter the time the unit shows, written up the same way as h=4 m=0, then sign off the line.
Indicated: h=12 m=40
